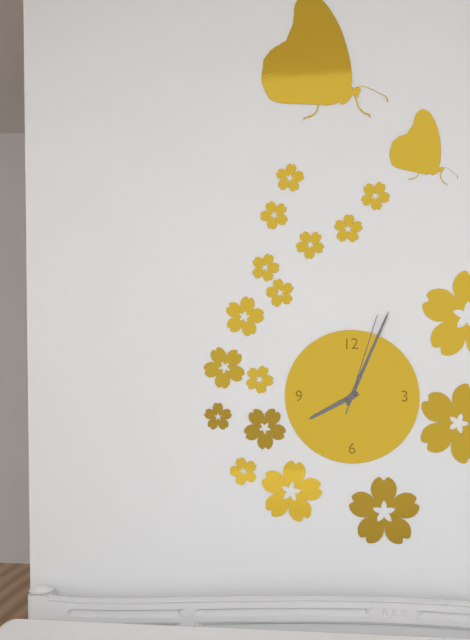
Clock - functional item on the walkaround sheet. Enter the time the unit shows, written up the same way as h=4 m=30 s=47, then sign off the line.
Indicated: h=8 m=4 s=3
